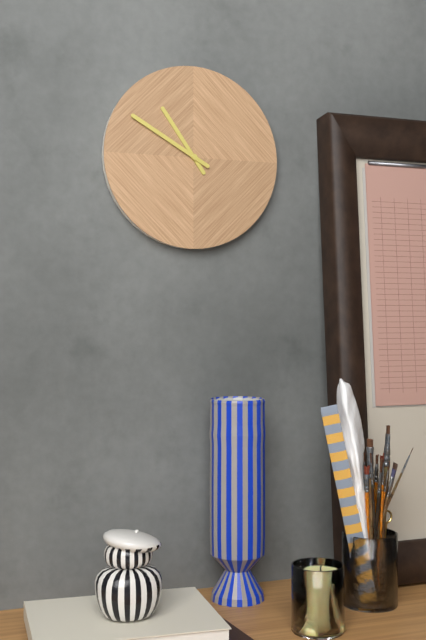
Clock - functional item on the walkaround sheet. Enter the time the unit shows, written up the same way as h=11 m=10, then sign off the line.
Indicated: h=10 m=50
